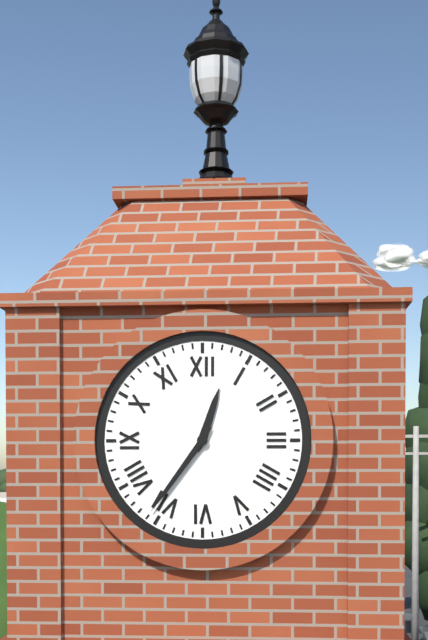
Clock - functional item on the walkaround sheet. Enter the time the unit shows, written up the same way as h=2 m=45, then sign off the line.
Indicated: h=12 m=36
